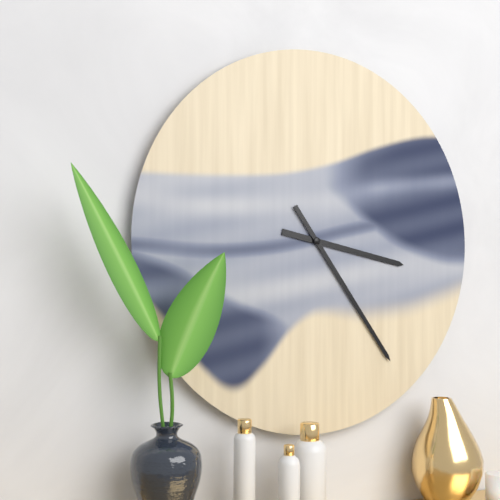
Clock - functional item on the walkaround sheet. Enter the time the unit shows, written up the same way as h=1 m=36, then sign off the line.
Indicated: h=3 m=24
